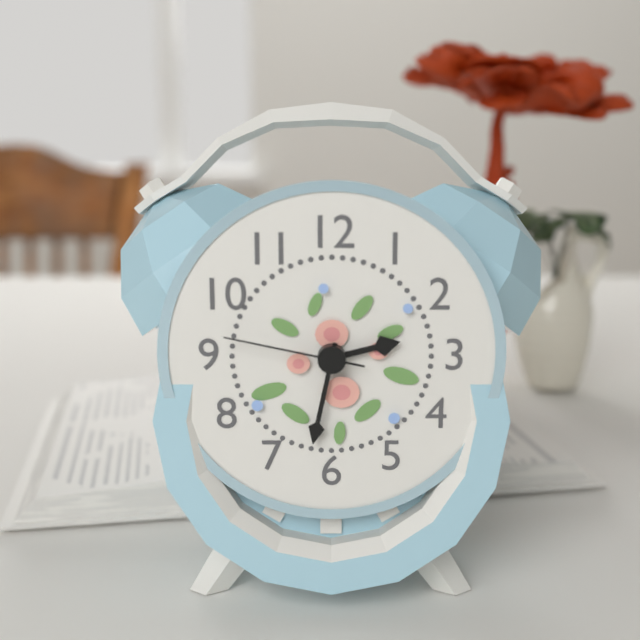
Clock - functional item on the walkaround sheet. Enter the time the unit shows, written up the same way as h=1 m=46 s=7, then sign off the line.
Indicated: h=2 m=32 s=47
